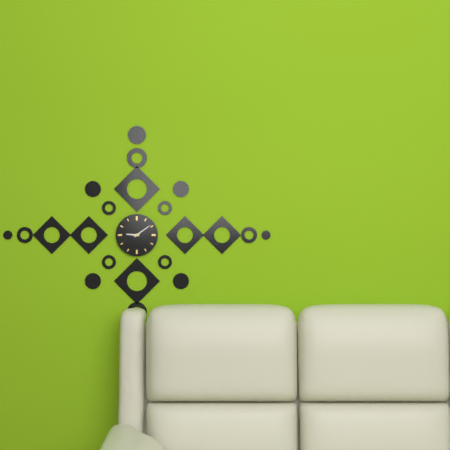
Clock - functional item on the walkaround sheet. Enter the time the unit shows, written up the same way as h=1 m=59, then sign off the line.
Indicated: h=9 m=9
